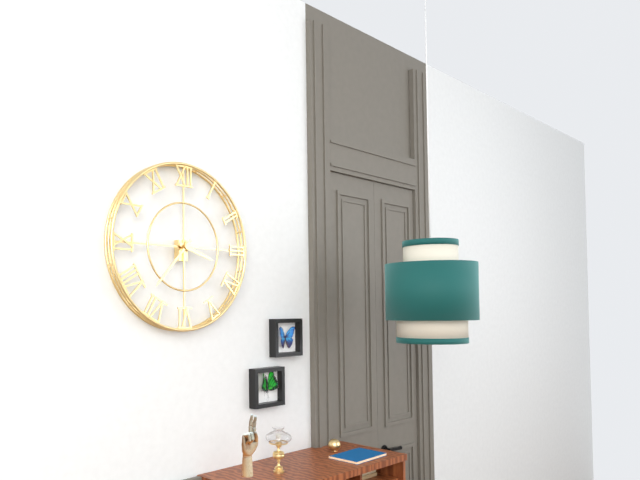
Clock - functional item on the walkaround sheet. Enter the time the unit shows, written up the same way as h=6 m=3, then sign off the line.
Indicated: h=3 m=37
